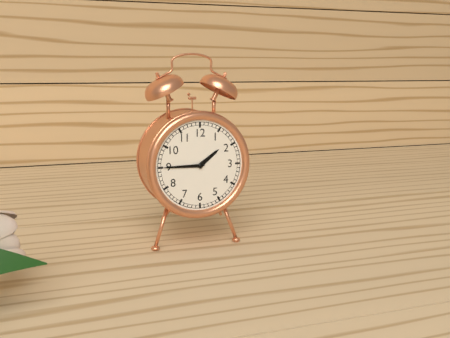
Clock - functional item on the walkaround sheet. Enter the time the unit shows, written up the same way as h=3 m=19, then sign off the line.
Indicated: h=1 m=45
